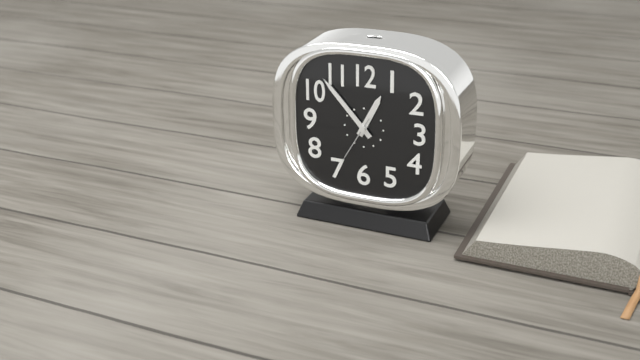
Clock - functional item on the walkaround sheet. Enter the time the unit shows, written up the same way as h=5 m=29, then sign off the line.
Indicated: h=12 m=53
